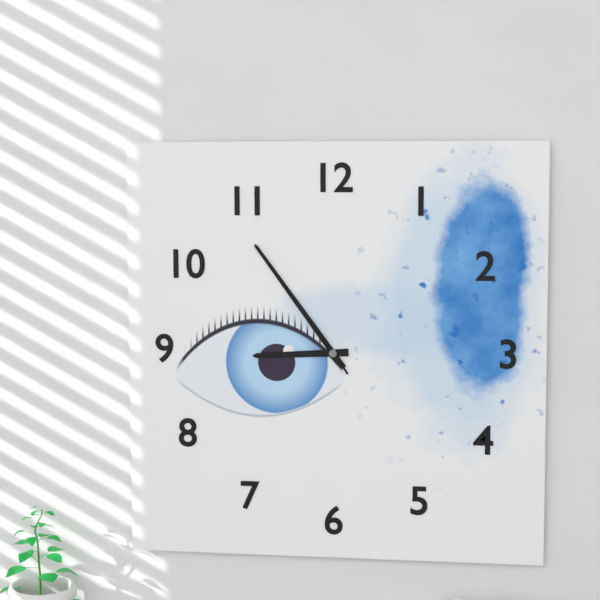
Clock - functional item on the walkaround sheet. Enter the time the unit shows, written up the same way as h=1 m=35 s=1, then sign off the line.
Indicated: h=8 m=54 s=54
